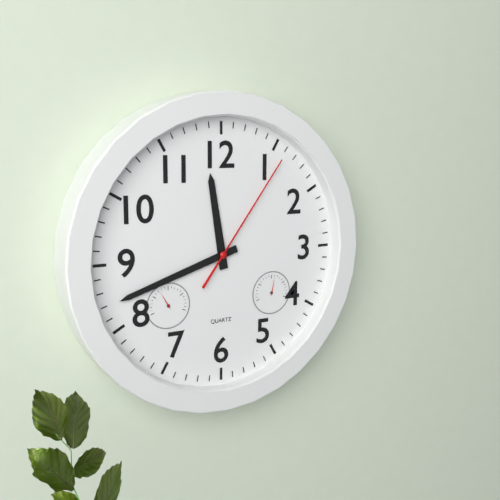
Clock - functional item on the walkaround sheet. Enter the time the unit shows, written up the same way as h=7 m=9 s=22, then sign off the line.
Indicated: h=11 m=42 s=6
